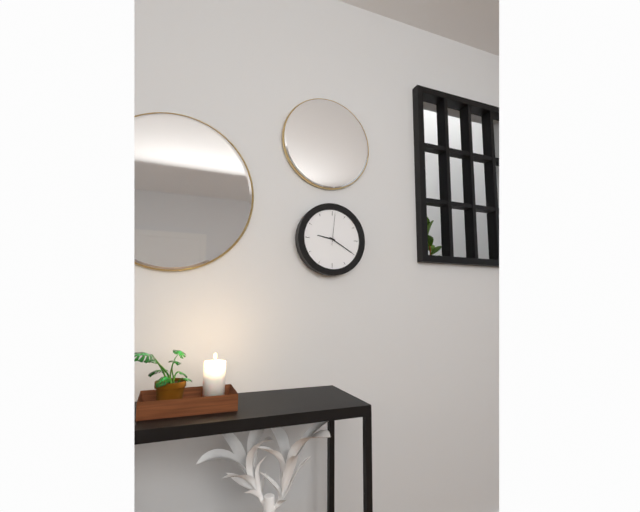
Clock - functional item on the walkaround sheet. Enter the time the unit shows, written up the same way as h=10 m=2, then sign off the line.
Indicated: h=9 m=20
